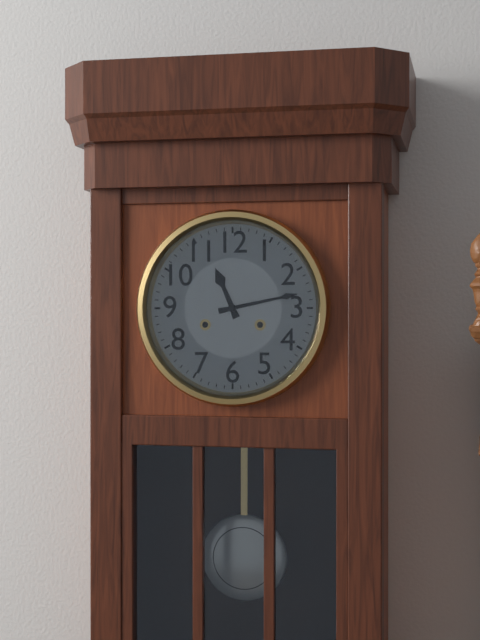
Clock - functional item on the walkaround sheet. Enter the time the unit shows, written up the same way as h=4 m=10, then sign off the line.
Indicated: h=11 m=13
